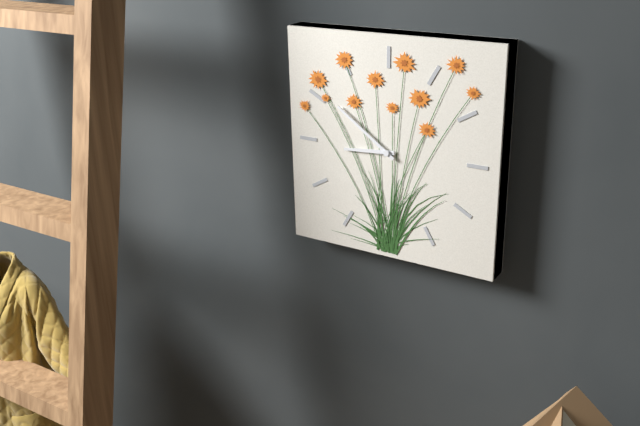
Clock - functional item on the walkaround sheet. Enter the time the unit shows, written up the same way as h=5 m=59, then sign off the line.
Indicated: h=8 m=51
